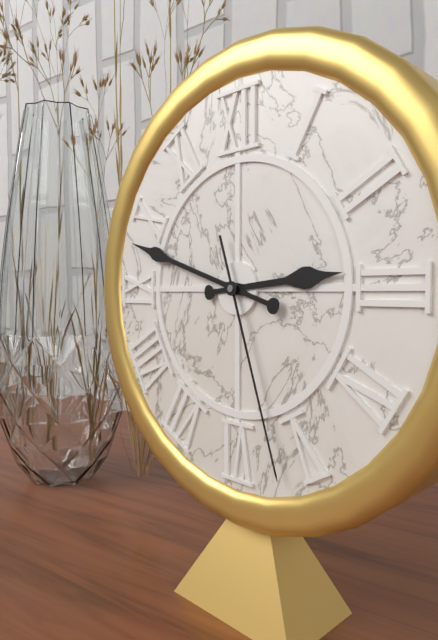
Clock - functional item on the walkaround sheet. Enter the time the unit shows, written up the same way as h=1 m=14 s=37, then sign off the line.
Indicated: h=2 m=48 s=27
